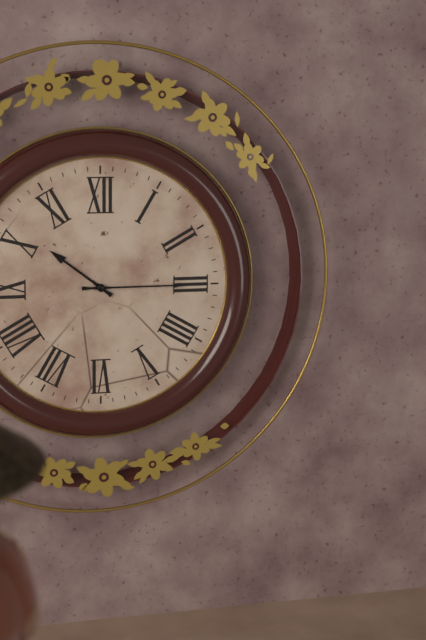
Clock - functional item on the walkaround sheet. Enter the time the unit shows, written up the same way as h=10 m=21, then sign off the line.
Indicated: h=10 m=15
